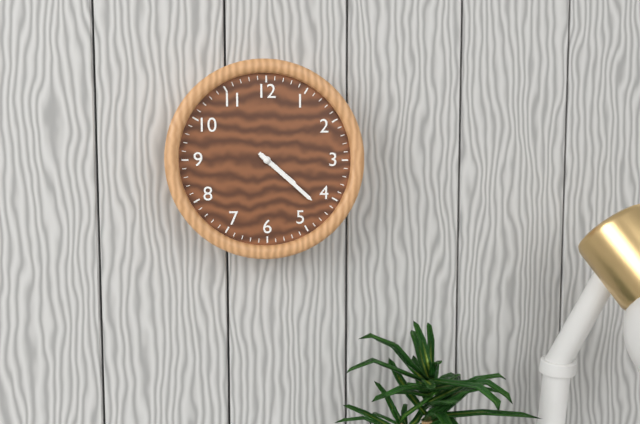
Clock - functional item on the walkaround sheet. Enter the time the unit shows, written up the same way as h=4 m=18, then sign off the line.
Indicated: h=4 m=22
